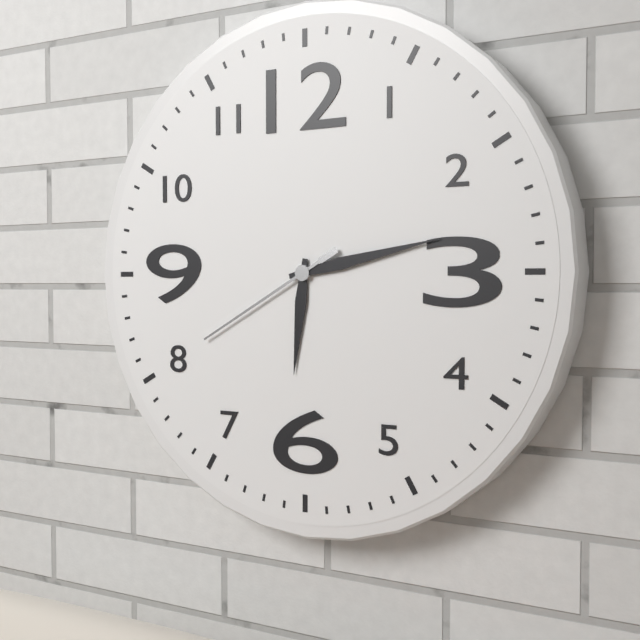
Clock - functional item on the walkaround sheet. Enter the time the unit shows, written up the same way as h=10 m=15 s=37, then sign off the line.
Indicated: h=6 m=13 s=40
